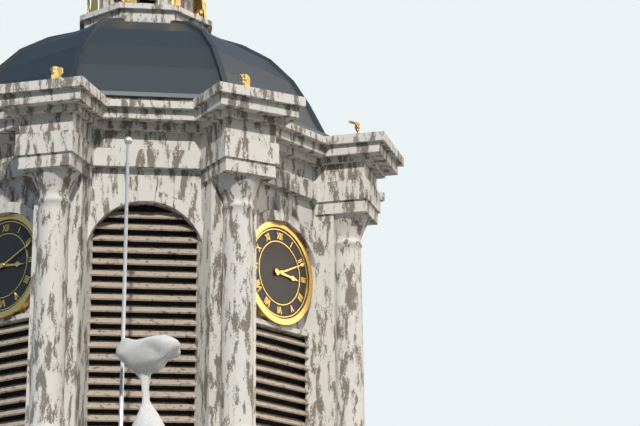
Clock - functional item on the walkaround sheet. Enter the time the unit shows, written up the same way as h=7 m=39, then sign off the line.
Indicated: h=3 m=11
